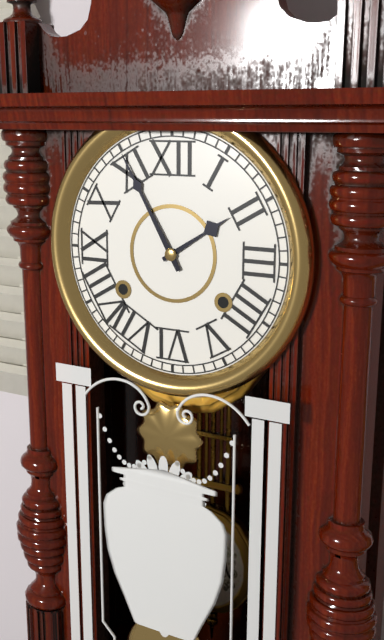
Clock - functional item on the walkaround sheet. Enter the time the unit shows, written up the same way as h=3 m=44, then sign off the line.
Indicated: h=1 m=55
